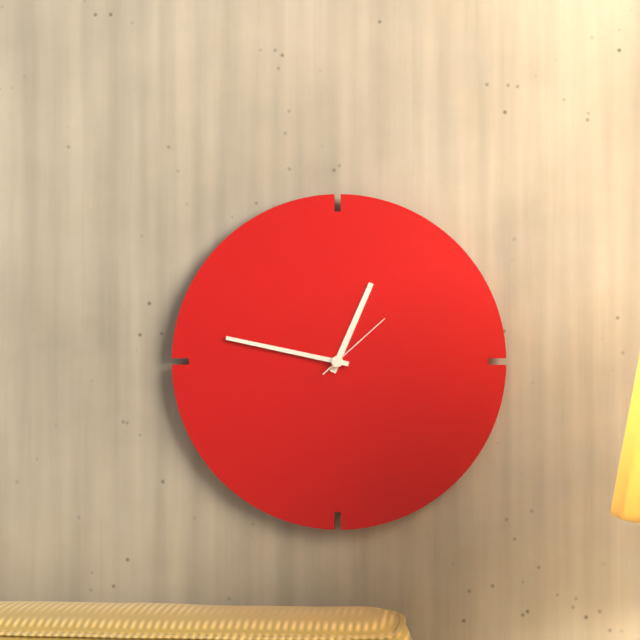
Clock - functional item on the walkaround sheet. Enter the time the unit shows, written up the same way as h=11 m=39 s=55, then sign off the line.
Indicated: h=12 m=47 s=8
